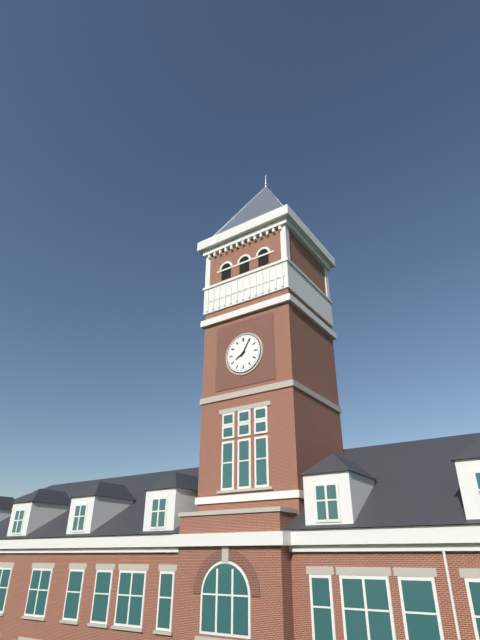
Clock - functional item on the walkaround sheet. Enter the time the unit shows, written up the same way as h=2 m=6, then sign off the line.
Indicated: h=8 m=5
